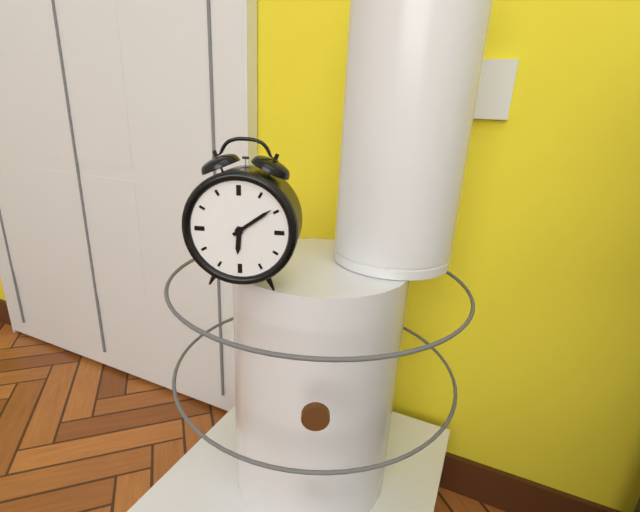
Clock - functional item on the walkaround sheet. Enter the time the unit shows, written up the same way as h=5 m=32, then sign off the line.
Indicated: h=6 m=9
